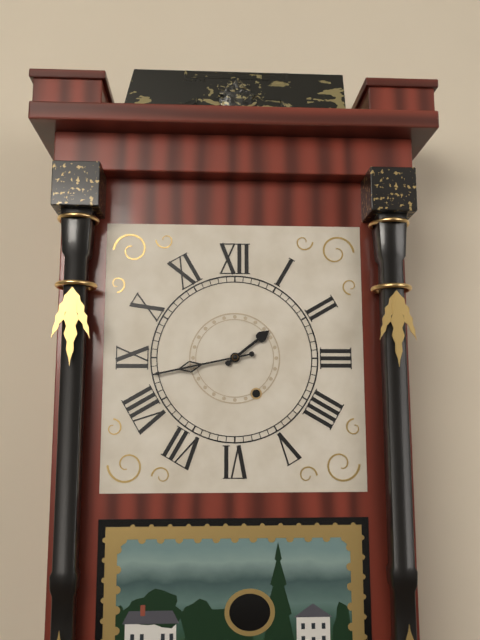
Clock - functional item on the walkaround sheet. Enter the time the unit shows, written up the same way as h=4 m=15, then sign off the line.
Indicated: h=1 m=43
